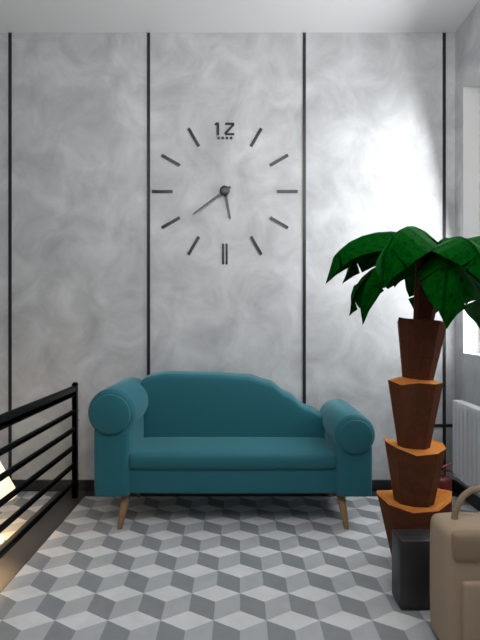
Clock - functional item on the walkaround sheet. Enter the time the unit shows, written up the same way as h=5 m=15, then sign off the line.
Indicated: h=5 m=39
